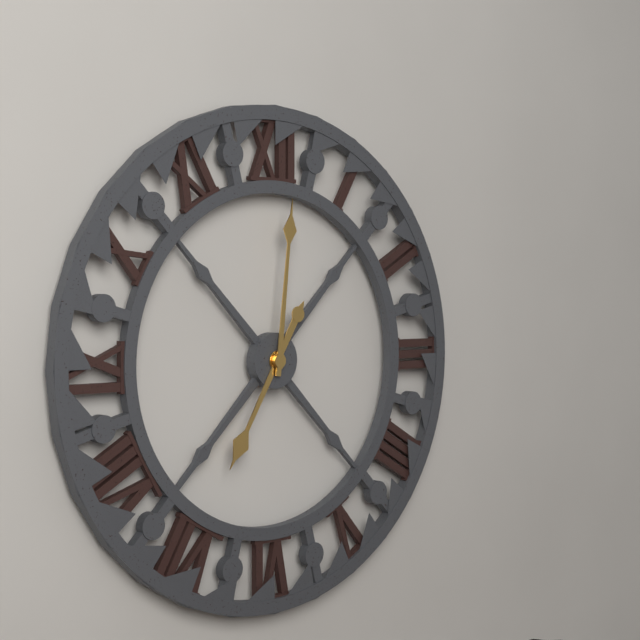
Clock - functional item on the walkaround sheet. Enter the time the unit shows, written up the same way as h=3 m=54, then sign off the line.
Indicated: h=7 m=1
